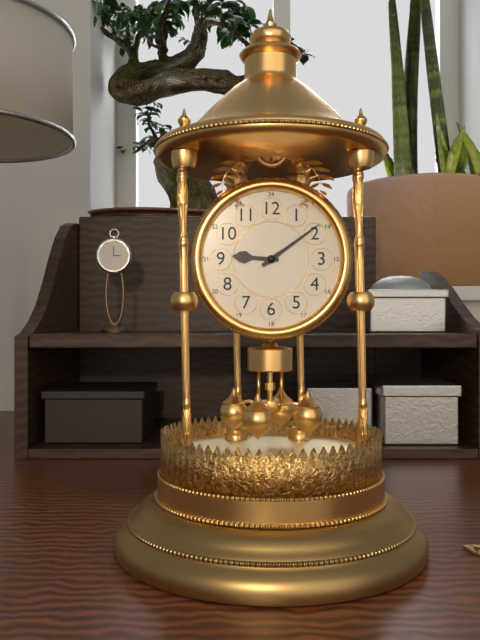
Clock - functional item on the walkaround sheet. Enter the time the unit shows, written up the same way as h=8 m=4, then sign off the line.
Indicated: h=9 m=9
